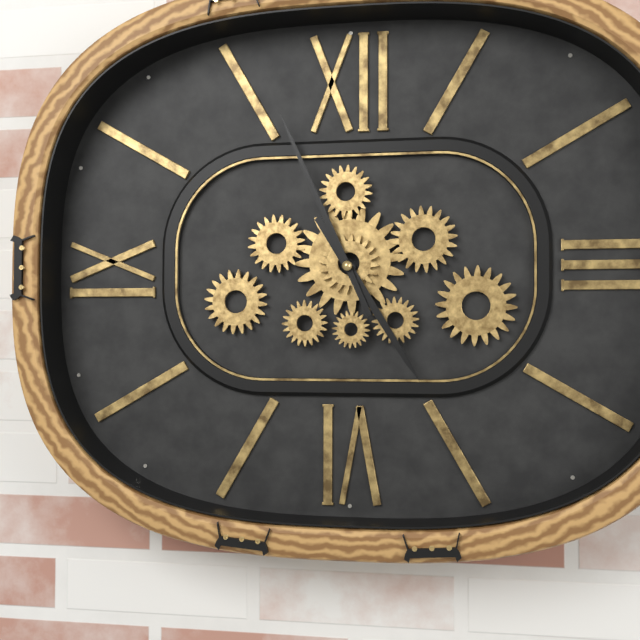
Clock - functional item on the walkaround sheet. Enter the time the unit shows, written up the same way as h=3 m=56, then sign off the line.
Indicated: h=4 m=56
